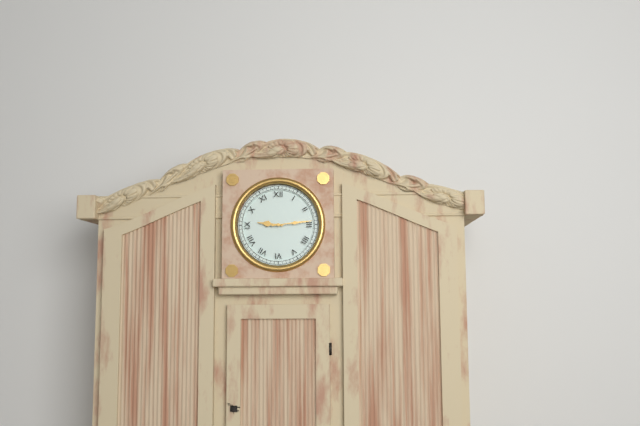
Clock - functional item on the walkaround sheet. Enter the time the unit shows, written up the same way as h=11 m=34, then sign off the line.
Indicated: h=9 m=14
